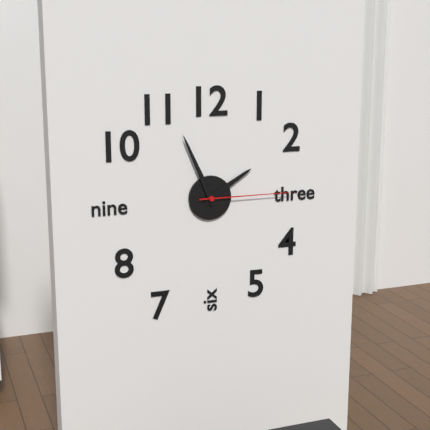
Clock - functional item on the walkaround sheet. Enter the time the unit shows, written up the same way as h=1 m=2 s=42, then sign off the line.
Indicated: h=1 m=56 s=15
